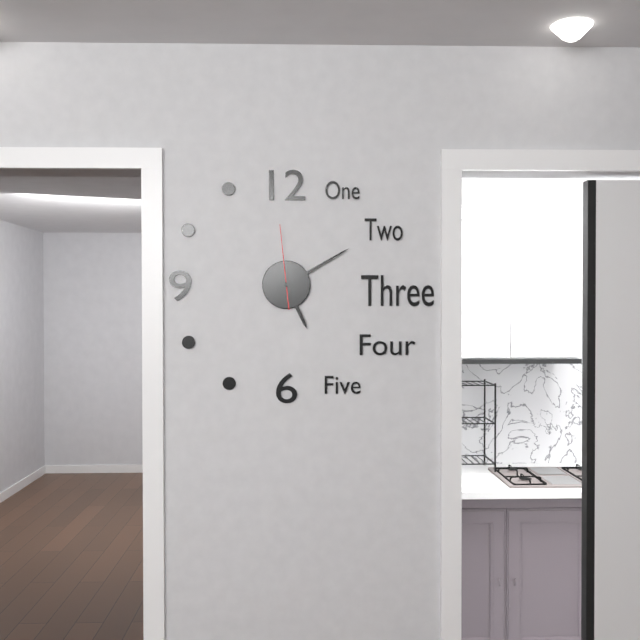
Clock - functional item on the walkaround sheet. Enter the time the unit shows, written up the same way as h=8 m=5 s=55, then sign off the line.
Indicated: h=5 m=10 s=59
